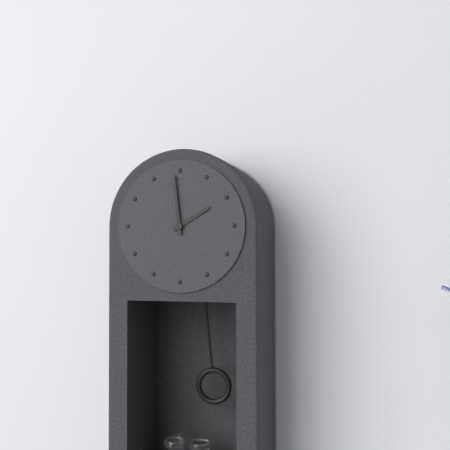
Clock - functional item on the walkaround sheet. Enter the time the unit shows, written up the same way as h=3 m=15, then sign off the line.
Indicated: h=1 m=59
